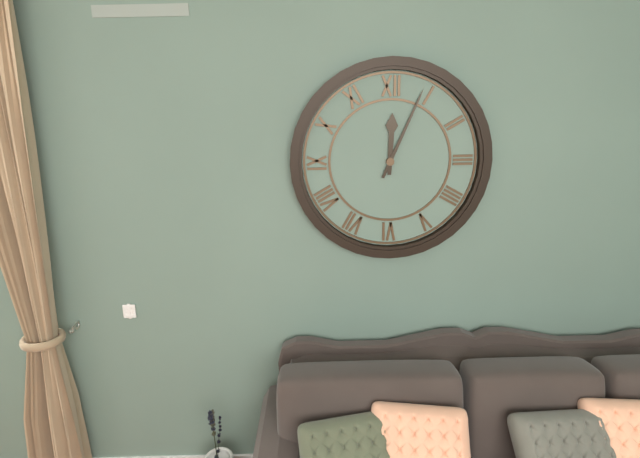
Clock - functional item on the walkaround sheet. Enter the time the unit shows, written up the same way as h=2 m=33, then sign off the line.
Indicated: h=12 m=4
